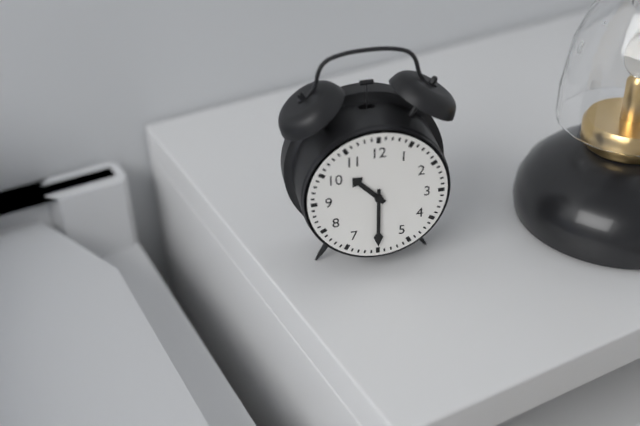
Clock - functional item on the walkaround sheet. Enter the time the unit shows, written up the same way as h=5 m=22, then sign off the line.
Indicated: h=10 m=30
